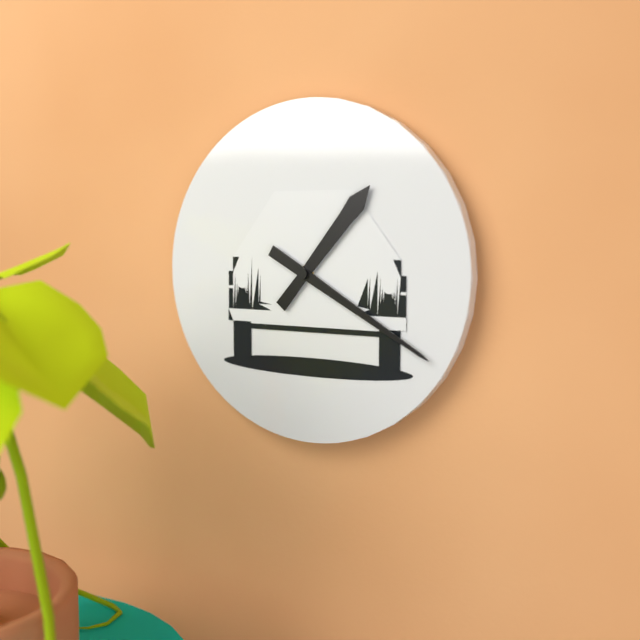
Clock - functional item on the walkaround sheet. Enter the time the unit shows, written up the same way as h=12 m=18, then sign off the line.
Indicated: h=1 m=20
